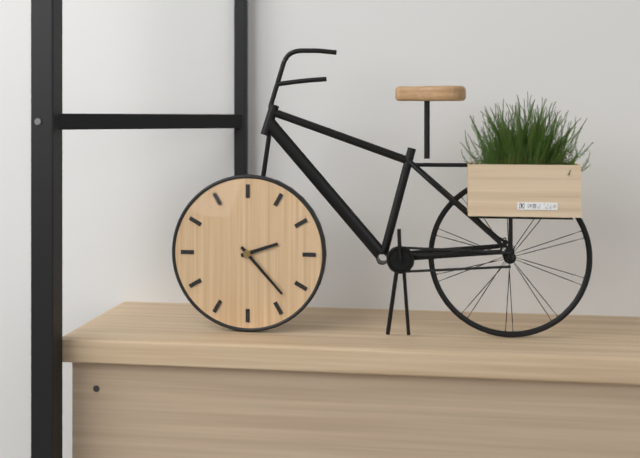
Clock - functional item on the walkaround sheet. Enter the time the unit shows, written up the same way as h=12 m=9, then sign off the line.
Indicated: h=2 m=23
